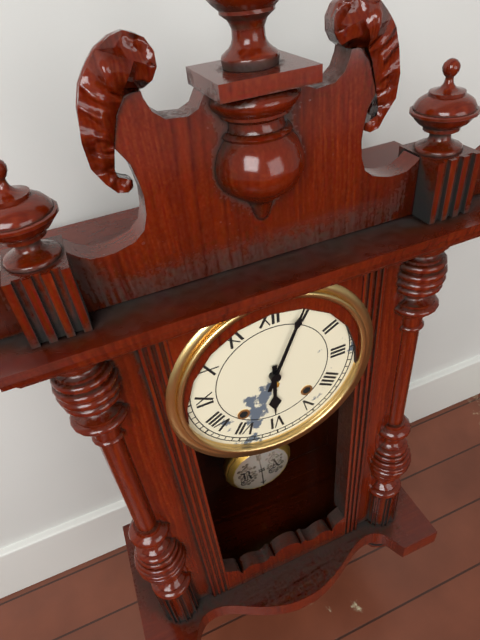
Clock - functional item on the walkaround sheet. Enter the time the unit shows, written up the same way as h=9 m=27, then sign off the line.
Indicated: h=6 m=4
